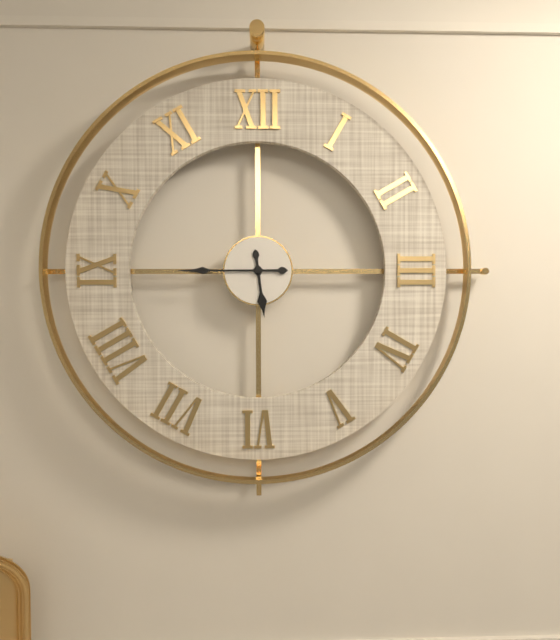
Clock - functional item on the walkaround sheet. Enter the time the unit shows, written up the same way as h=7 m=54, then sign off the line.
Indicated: h=5 m=45
